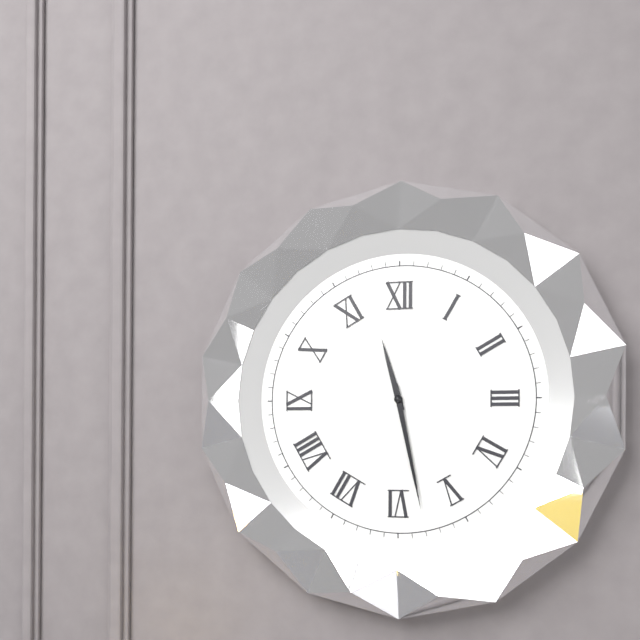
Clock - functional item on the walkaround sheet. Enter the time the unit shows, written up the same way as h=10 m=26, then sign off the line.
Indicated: h=11 m=28
